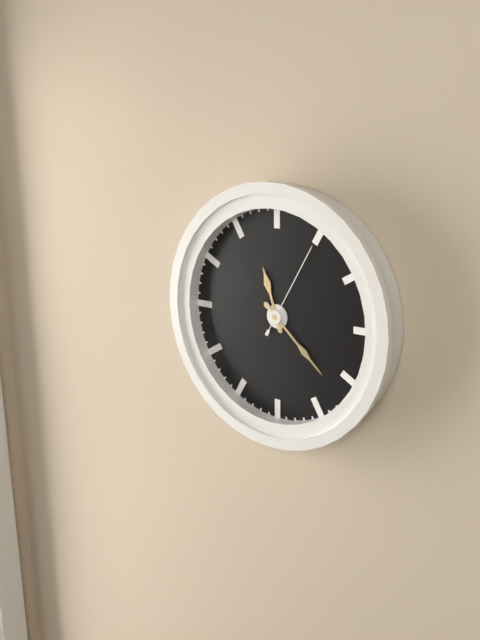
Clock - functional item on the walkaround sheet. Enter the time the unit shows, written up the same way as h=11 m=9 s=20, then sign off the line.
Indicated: h=11 m=22 s=5
